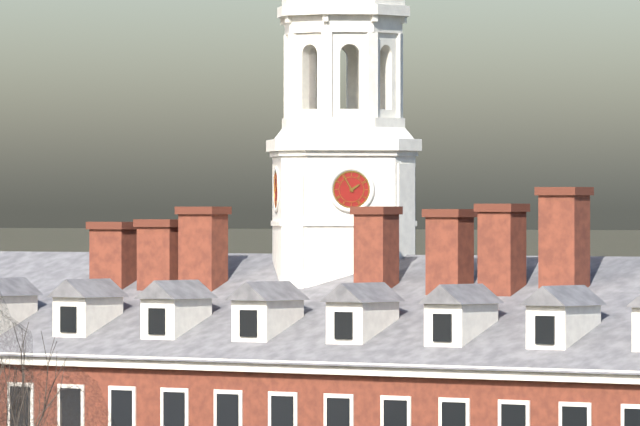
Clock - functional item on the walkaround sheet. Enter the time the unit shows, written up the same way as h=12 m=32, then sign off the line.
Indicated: h=1 m=55
